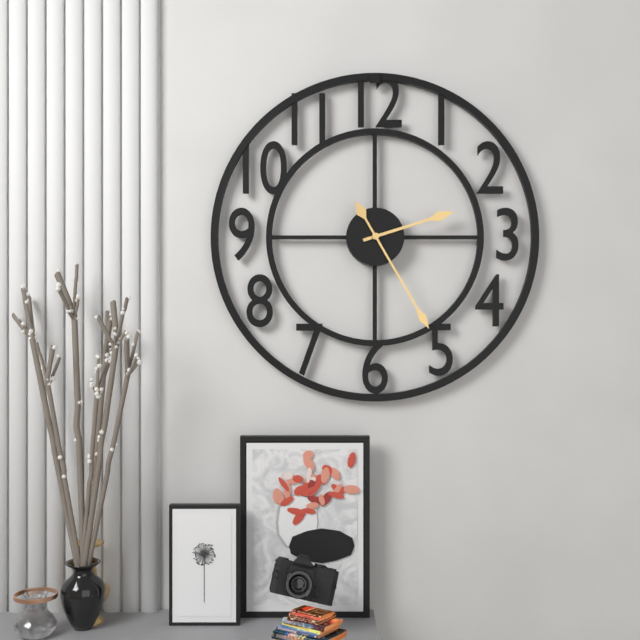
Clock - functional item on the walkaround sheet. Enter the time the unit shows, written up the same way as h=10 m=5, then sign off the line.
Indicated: h=2 m=25
